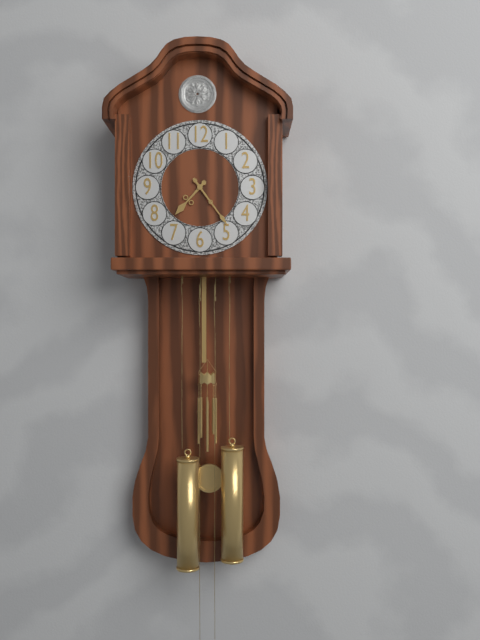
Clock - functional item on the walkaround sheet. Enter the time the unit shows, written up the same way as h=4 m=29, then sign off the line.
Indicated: h=7 m=24
